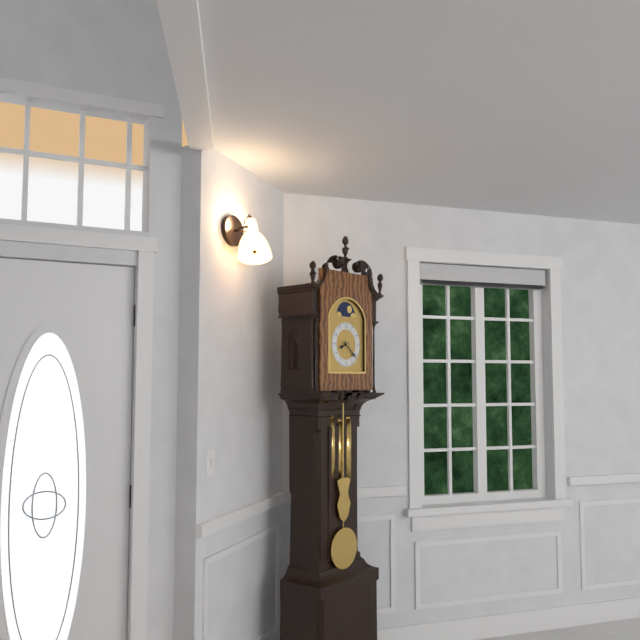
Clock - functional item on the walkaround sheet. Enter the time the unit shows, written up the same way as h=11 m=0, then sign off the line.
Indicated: h=8 m=22
